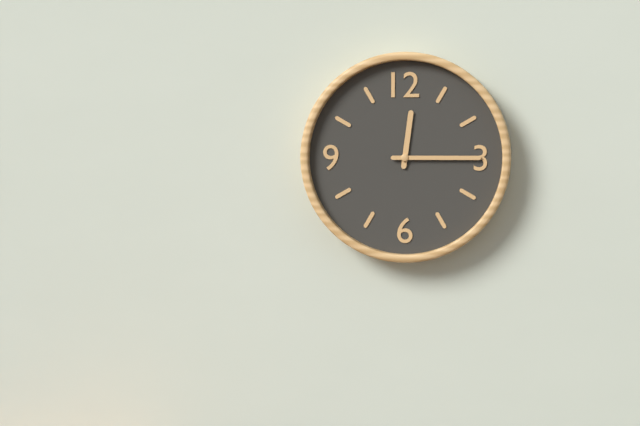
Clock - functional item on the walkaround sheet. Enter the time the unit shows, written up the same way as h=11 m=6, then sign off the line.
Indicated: h=12 m=15
